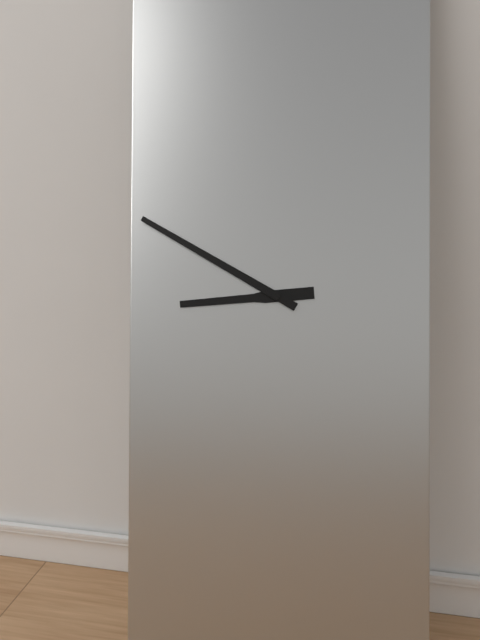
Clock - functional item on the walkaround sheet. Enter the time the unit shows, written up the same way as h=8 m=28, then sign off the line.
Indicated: h=8 m=50
